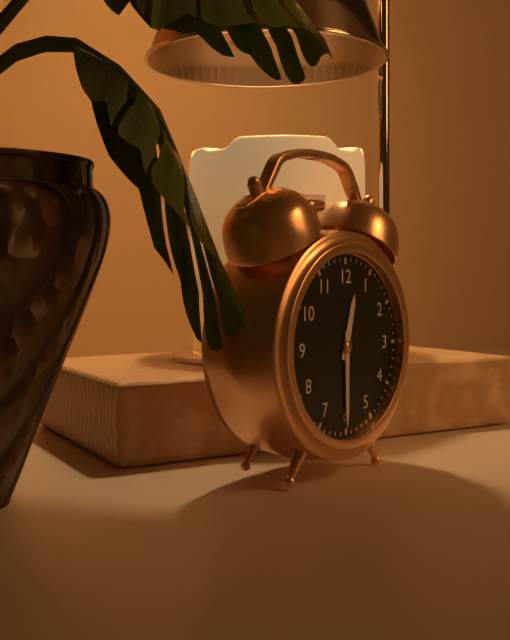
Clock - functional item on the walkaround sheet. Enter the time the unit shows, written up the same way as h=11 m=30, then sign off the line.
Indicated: h=12 m=30
